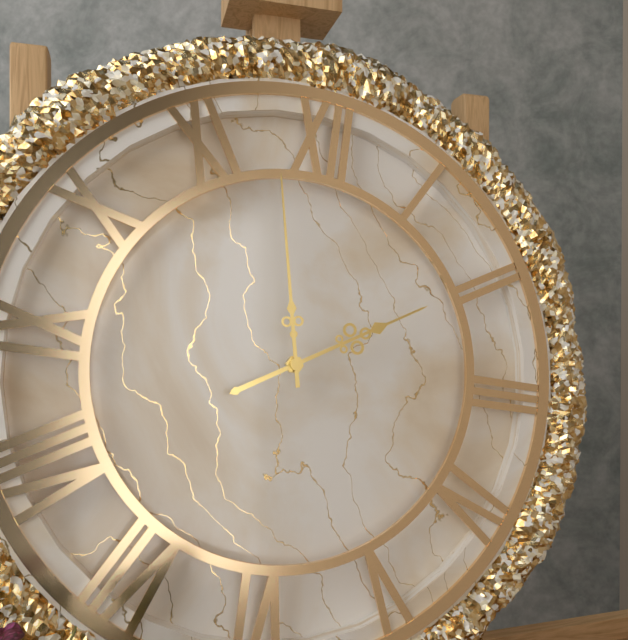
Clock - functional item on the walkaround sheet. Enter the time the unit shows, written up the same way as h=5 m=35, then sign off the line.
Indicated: h=1 m=58
